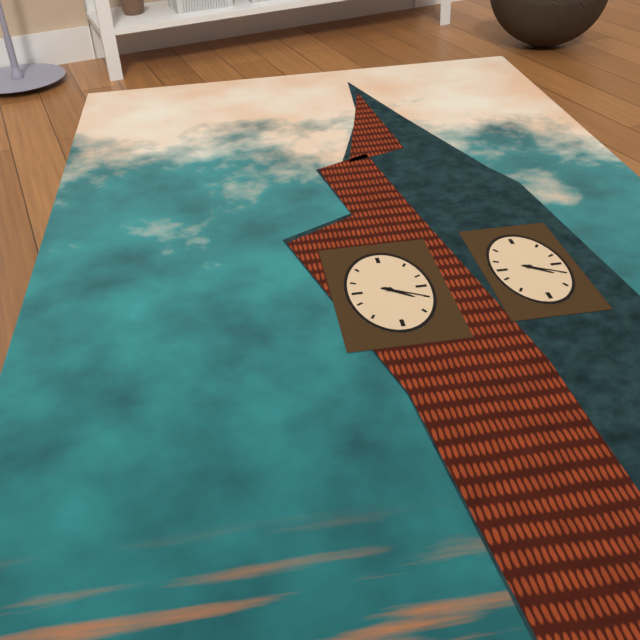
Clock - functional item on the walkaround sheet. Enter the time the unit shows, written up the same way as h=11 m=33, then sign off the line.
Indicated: h=4 m=20
